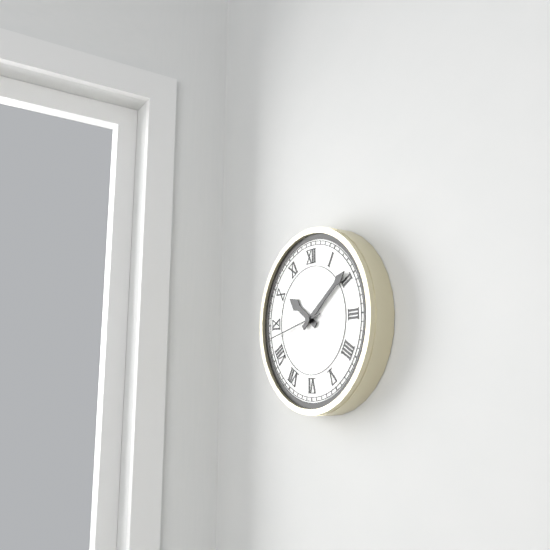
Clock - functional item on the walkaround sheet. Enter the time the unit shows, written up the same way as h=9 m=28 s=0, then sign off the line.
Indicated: h=10 m=9 s=43
